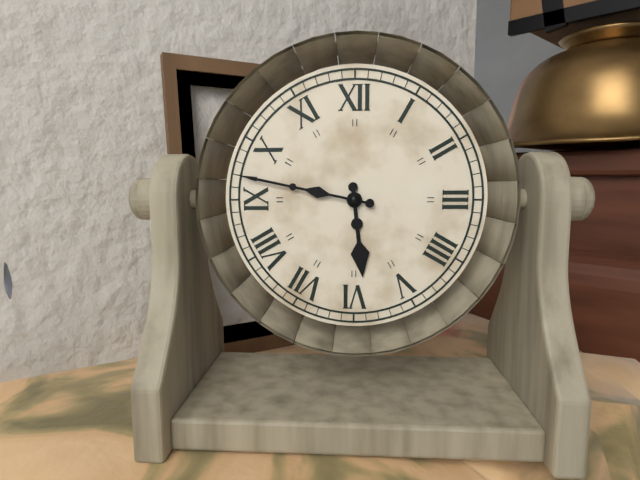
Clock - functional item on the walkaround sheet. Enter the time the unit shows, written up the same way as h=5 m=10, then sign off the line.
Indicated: h=5 m=47
